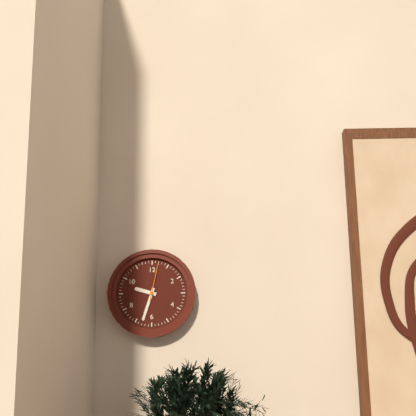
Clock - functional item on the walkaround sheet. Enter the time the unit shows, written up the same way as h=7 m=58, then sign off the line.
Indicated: h=9 m=33
